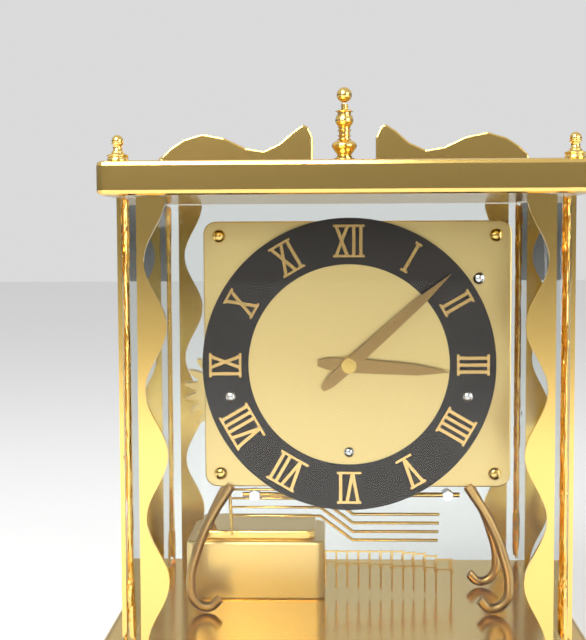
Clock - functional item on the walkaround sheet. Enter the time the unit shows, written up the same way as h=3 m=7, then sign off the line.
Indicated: h=3 m=8
